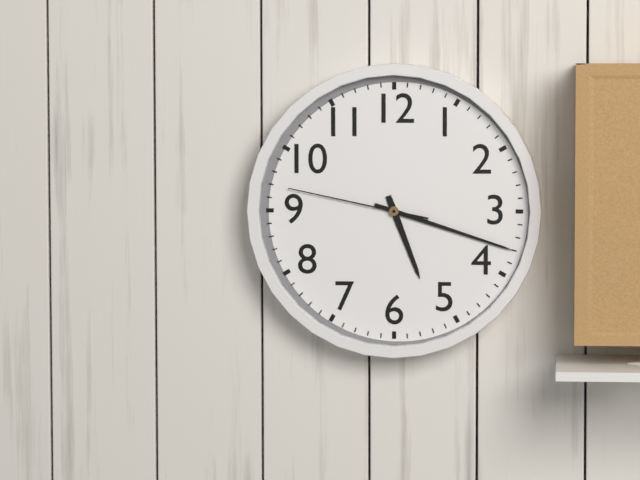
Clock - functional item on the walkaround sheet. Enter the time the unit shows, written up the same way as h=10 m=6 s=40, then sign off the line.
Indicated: h=5 m=18 s=47
